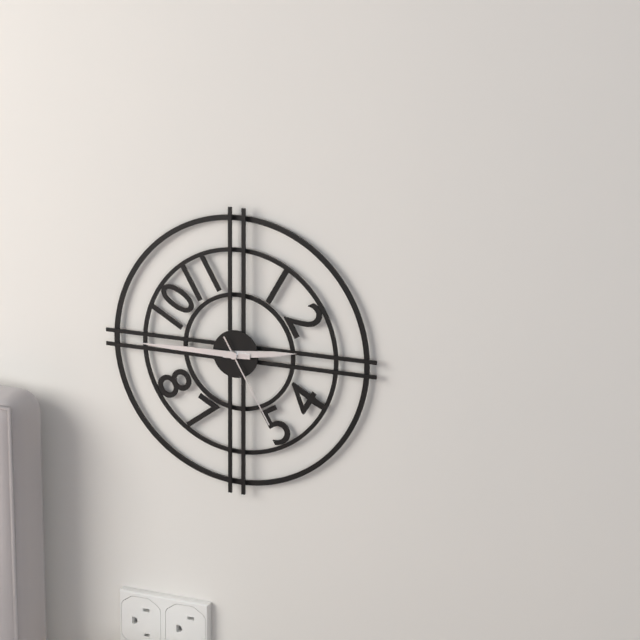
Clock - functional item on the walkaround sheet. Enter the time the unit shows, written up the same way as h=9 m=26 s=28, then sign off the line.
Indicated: h=2 m=45 s=25
